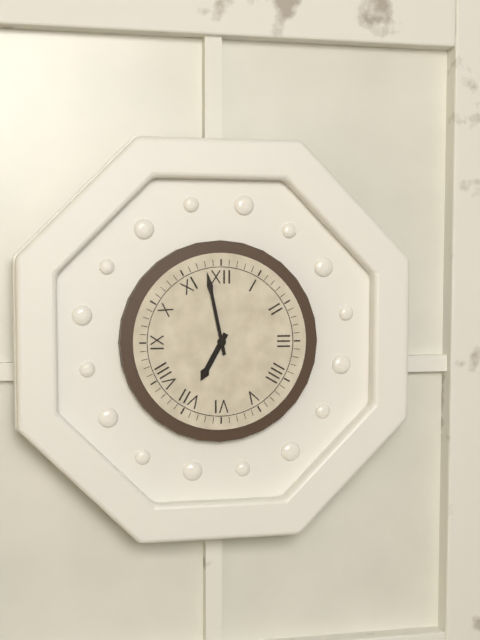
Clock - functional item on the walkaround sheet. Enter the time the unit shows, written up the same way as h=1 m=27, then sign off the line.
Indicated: h=6 m=58
